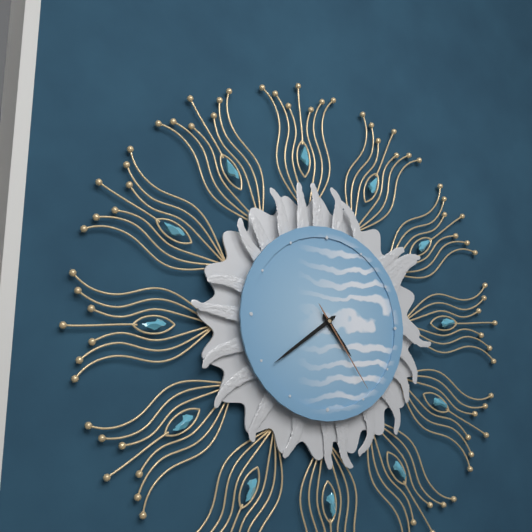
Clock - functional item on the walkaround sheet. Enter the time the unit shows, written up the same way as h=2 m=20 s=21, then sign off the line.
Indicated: h=4 m=39 s=24
